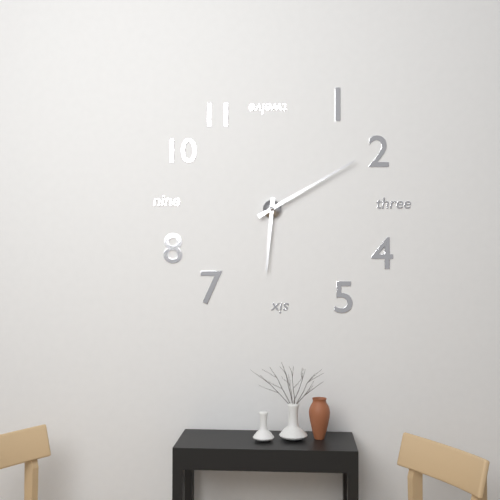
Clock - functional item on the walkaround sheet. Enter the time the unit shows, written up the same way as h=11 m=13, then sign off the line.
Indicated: h=6 m=10
